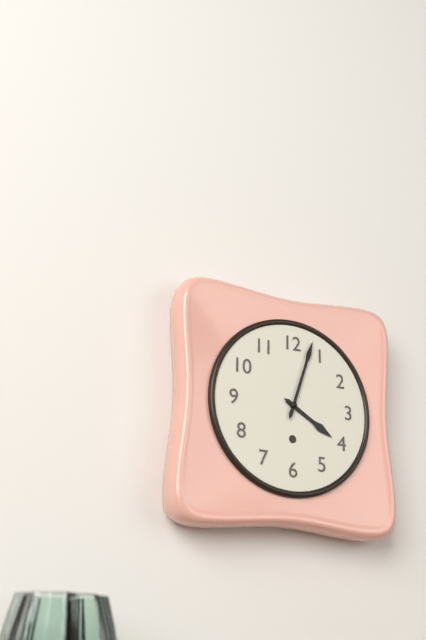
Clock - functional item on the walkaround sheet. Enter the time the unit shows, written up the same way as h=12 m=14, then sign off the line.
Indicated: h=4 m=3
